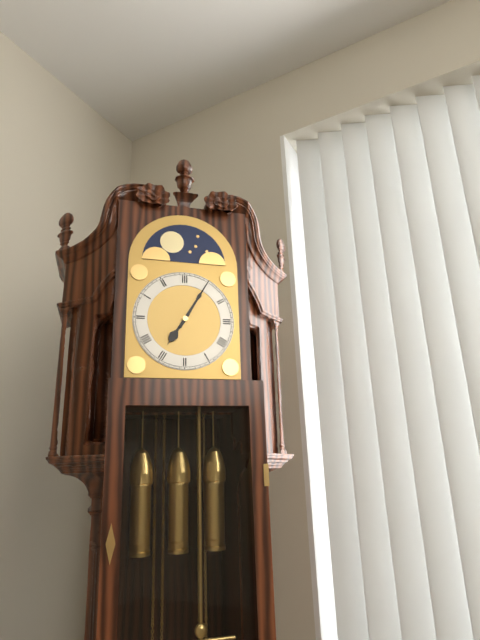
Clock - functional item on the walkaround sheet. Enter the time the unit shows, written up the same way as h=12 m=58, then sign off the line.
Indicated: h=7 m=5
